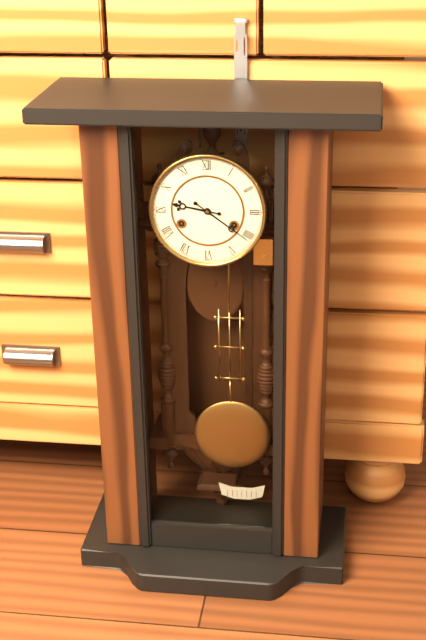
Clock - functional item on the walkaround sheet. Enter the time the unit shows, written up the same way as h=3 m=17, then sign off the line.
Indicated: h=9 m=21
